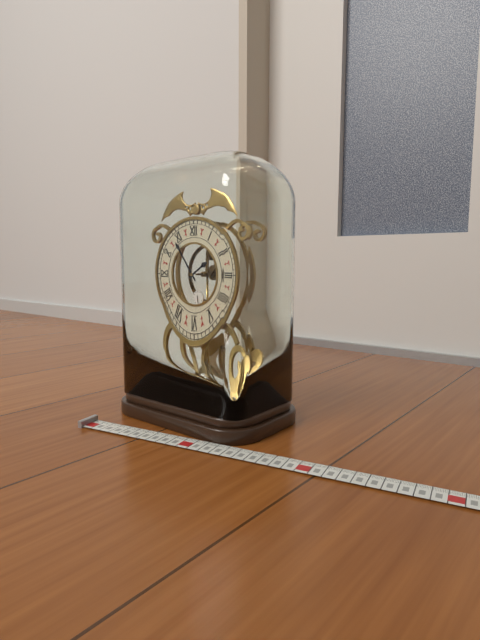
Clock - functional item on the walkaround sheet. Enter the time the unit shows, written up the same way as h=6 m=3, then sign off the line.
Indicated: h=1 m=54
